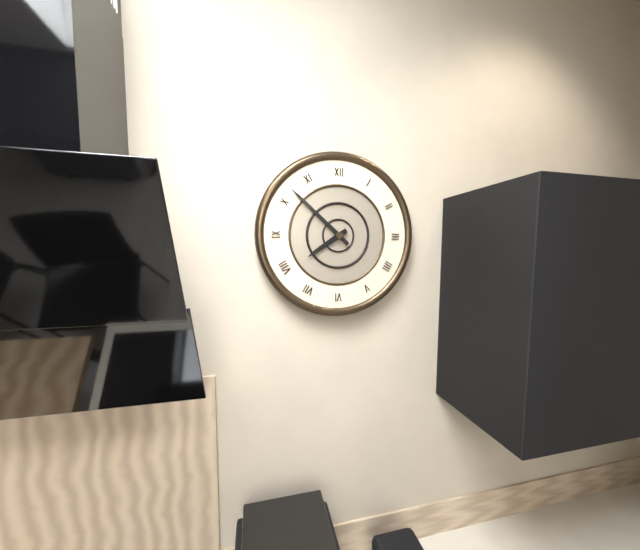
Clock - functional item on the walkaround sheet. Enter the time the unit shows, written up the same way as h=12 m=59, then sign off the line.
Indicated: h=7 m=52
